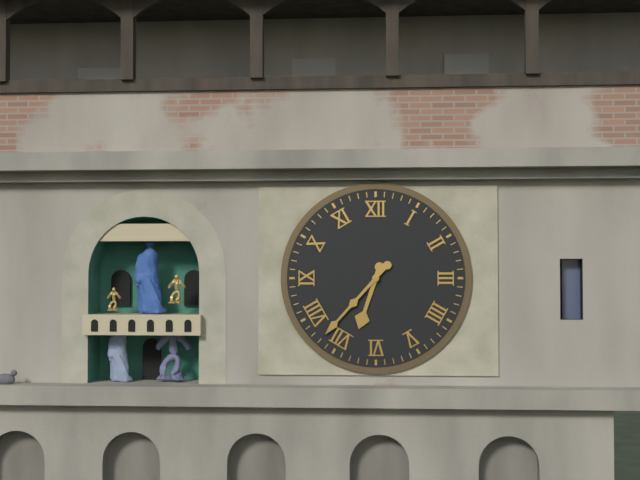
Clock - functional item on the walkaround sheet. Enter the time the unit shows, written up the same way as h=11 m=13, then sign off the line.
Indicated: h=6 m=37
